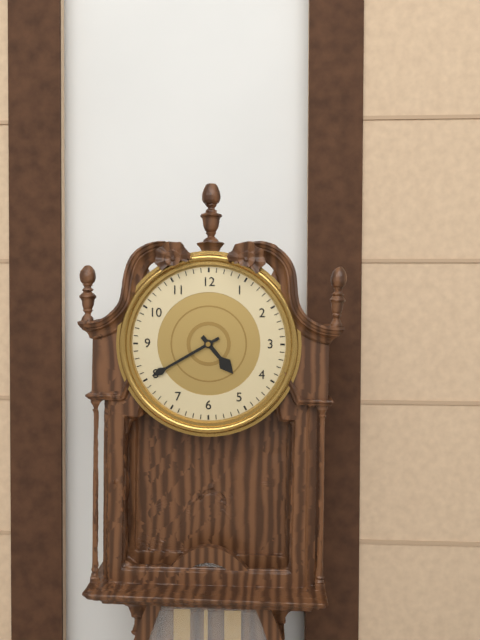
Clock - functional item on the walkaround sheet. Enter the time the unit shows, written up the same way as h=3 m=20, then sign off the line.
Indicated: h=4 m=40
